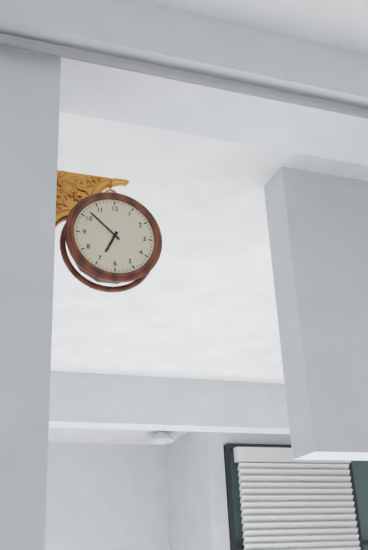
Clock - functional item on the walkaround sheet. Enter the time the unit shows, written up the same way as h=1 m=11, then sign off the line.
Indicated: h=6 m=52
